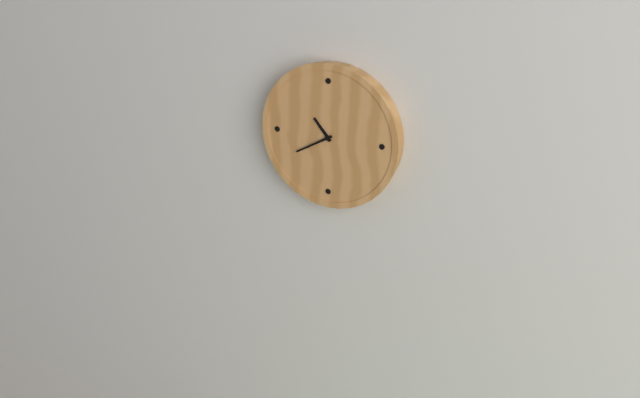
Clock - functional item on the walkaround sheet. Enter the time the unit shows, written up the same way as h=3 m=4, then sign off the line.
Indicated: h=10 m=40
